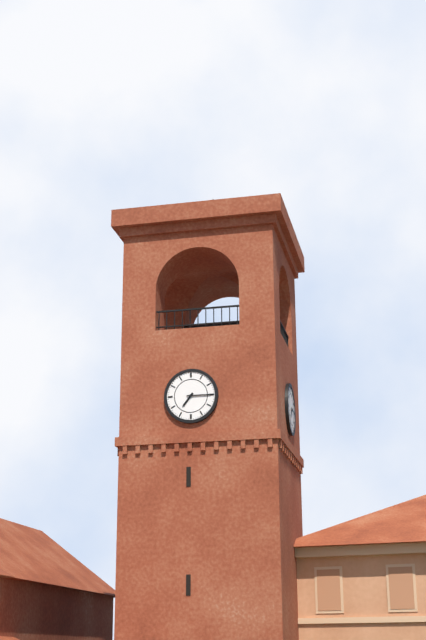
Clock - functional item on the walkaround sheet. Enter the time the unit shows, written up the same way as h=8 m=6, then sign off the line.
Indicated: h=7 m=15
